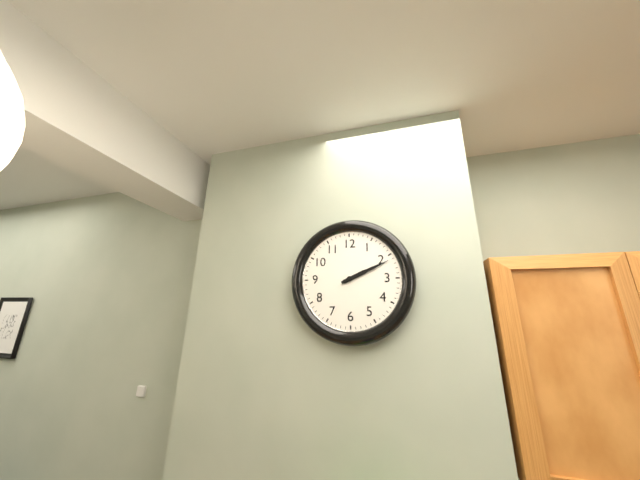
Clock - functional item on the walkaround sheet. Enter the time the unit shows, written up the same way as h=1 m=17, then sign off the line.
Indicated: h=2 m=11
